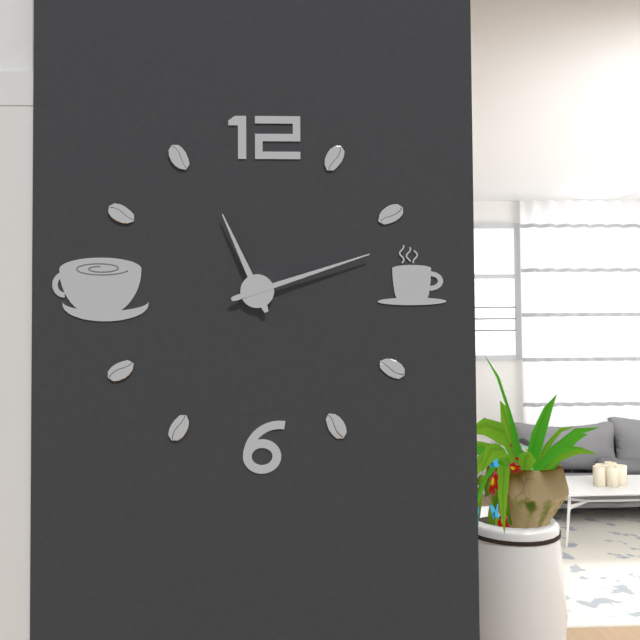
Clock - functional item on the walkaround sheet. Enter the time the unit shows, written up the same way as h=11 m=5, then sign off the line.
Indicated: h=11 m=12
